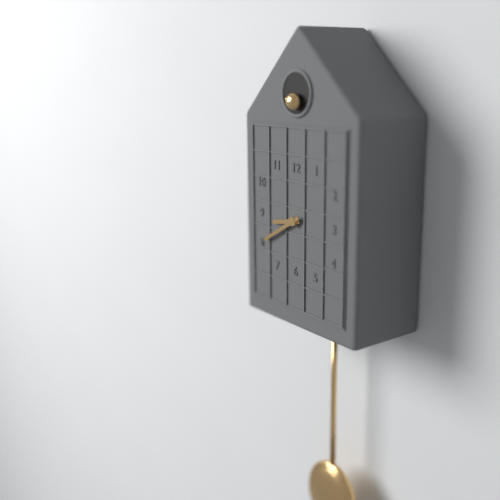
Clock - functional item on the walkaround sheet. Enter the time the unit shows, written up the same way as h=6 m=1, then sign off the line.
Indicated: h=8 m=40
